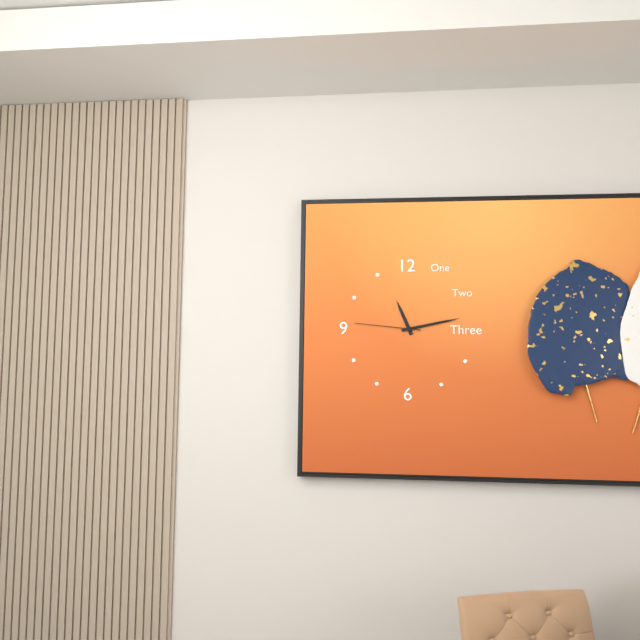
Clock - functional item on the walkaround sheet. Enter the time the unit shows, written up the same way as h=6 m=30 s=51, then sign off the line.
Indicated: h=11 m=13 s=46
